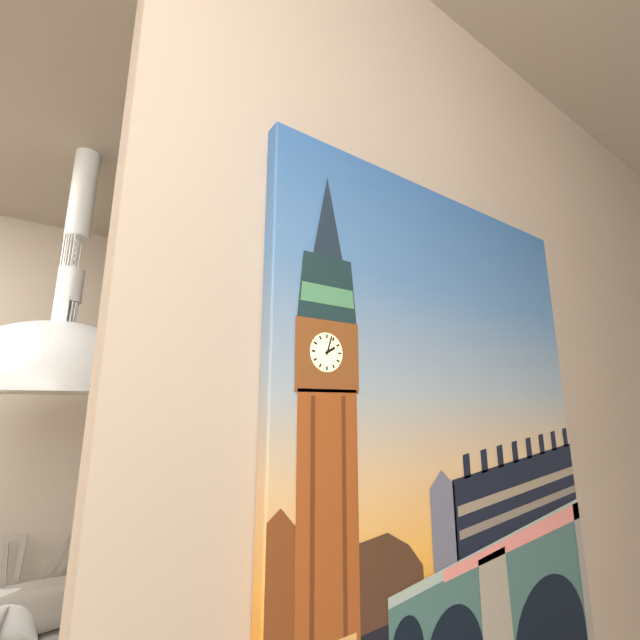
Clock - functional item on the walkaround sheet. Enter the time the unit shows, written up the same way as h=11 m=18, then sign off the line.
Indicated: h=2 m=3
